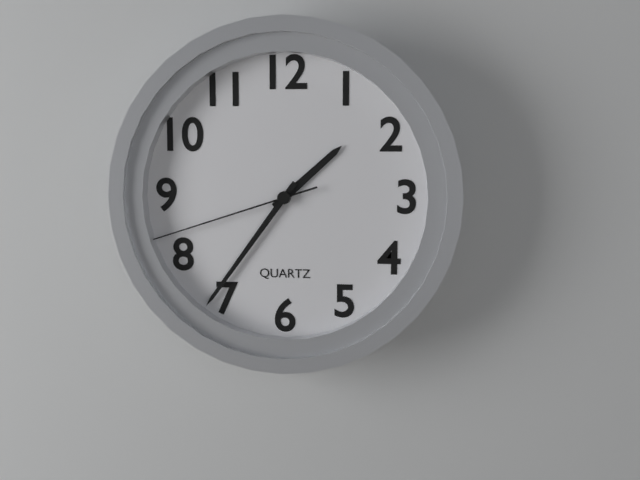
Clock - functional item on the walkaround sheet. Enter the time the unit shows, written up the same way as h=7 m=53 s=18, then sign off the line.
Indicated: h=1 m=36 s=42
